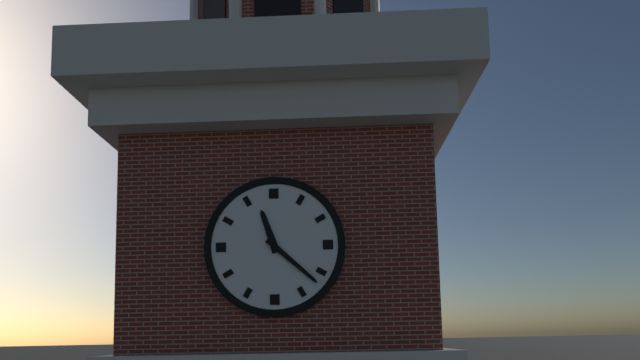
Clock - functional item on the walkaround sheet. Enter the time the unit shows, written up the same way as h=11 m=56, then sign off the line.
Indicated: h=11 m=22
